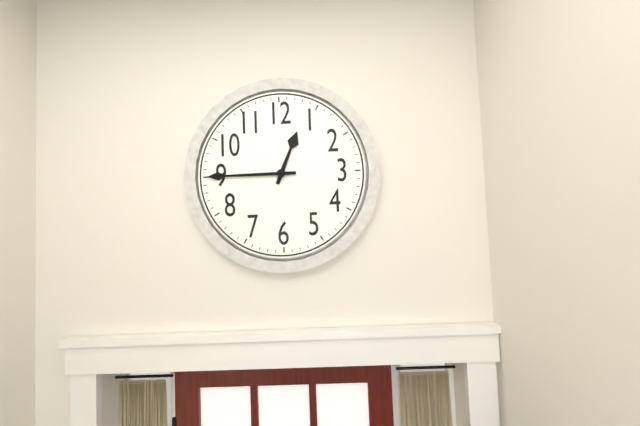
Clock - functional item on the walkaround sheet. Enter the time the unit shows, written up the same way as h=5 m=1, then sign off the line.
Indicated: h=12 m=45
